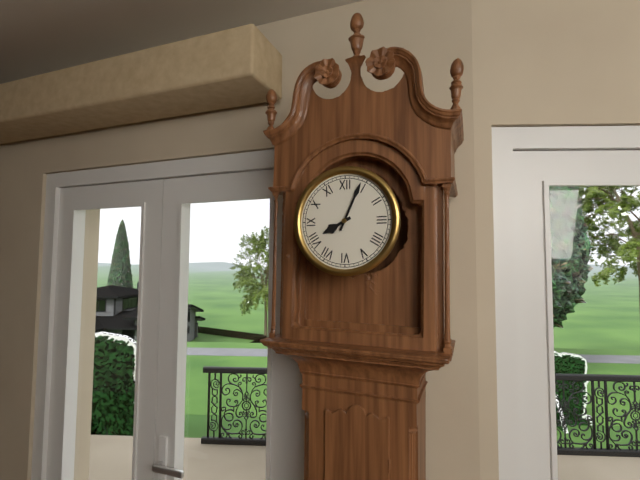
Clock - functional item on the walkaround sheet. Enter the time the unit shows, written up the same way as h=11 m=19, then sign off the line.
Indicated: h=8 m=4
